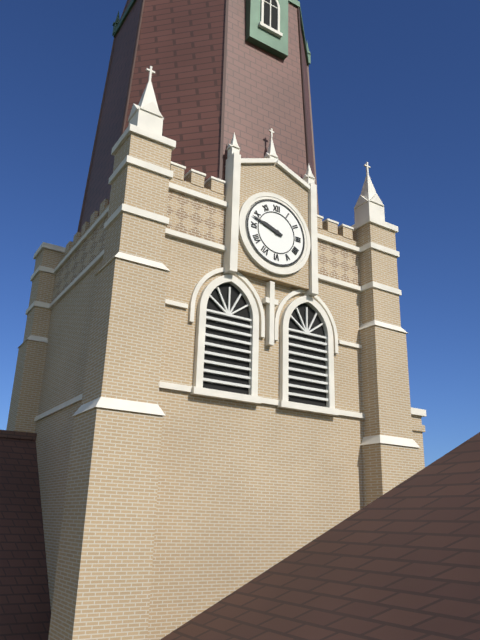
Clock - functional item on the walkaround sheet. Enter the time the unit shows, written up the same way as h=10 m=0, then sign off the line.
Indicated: h=9 m=48
